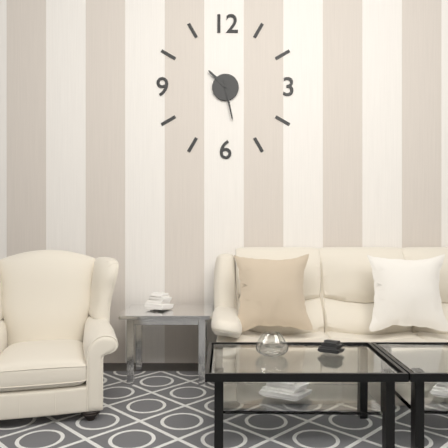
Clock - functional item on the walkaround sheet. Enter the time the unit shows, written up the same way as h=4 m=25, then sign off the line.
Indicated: h=10 m=28
